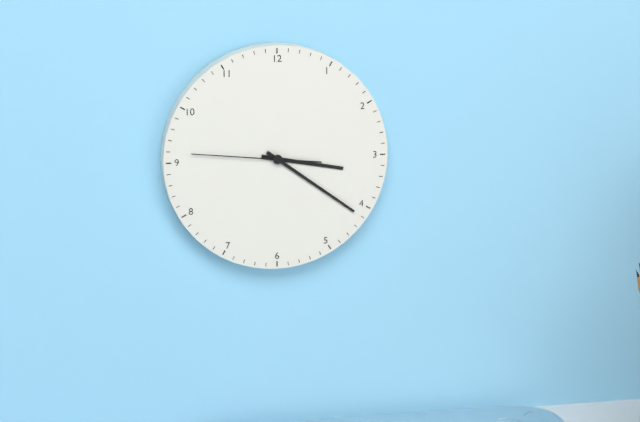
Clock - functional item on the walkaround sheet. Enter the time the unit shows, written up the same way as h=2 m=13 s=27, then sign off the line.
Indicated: h=3 m=21 s=46
